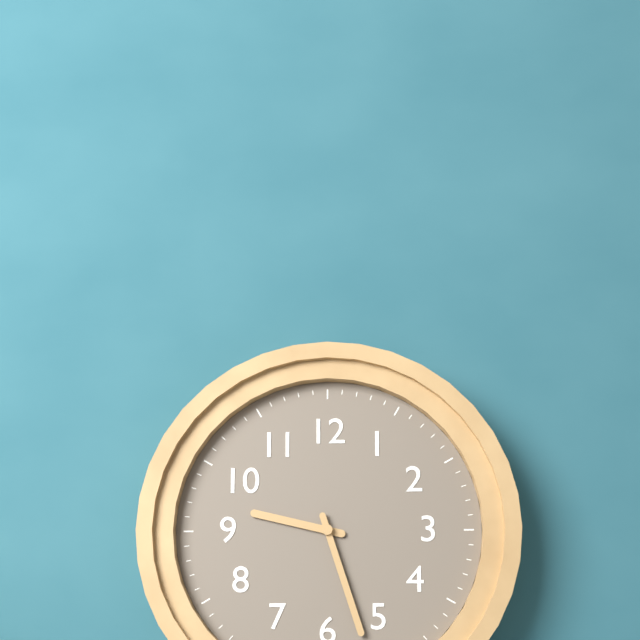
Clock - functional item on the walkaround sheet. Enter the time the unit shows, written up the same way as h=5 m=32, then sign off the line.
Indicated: h=9 m=27
